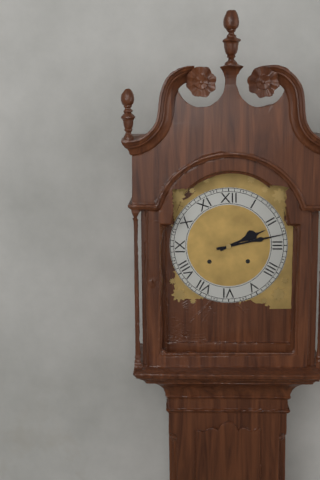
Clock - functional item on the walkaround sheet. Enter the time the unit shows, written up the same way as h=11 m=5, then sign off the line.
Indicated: h=2 m=13
